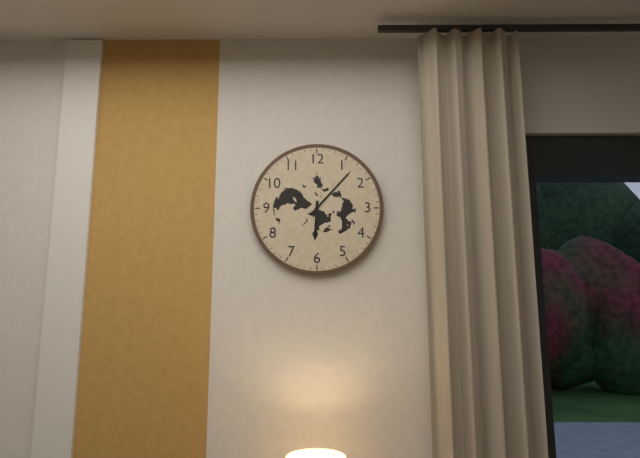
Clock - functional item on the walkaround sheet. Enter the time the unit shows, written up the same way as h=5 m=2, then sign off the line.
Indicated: h=6 m=7
